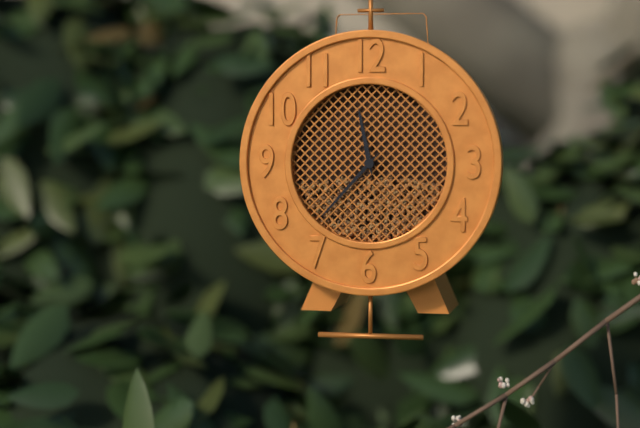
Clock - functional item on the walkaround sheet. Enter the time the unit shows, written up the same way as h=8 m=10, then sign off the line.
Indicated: h=11 m=37
